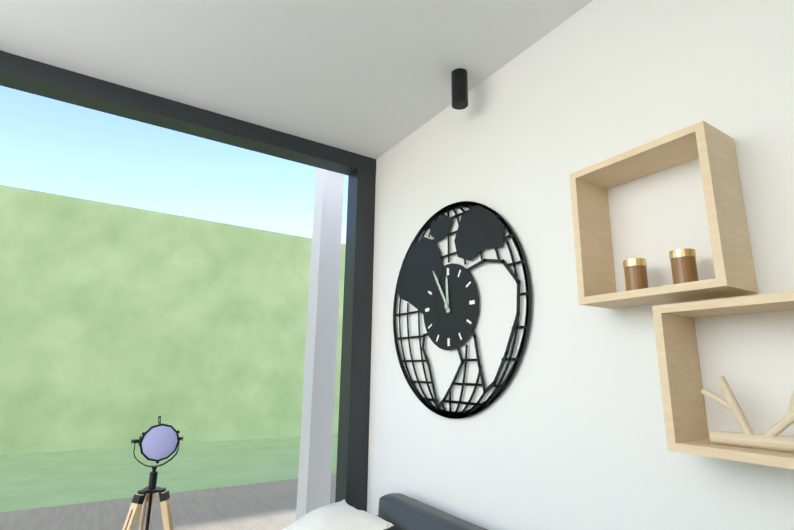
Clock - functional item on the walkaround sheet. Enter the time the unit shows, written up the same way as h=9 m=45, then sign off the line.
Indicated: h=11 m=55
